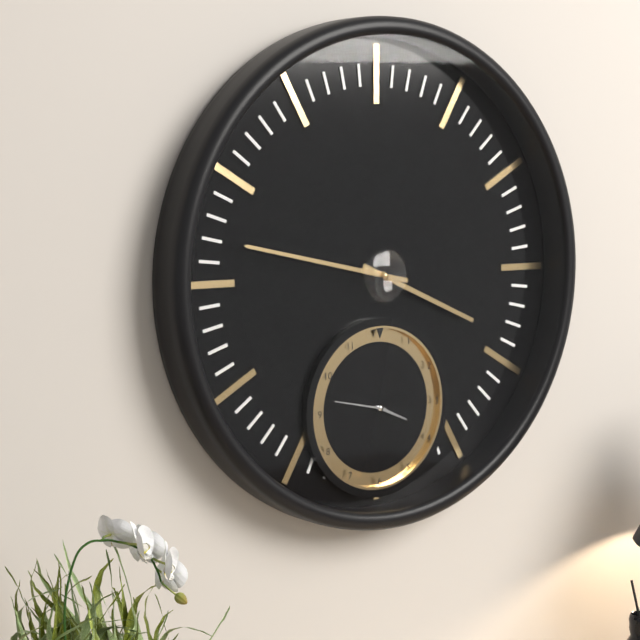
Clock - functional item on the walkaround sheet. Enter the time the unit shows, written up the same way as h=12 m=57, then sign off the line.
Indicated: h=3 m=47
